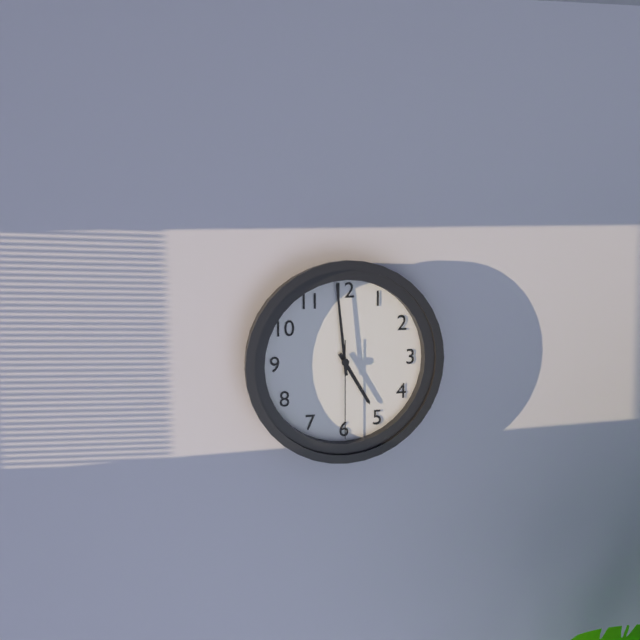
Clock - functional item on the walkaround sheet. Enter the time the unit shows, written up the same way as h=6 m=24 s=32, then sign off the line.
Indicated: h=4 m=59 s=30
